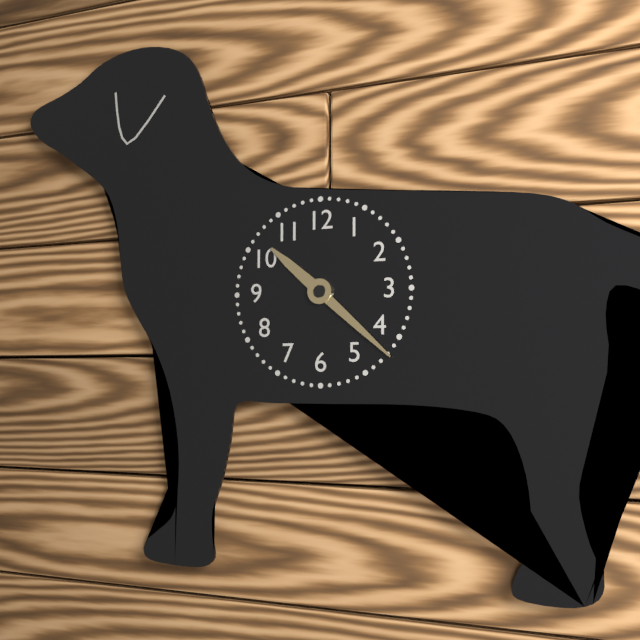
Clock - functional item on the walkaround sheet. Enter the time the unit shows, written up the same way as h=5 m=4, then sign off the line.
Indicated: h=10 m=22
